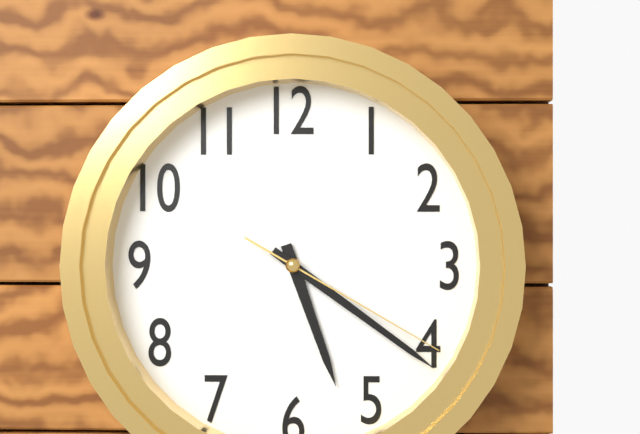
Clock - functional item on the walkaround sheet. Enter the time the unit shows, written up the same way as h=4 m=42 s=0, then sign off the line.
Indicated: h=5 m=21 s=20
